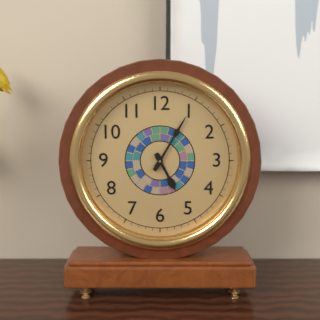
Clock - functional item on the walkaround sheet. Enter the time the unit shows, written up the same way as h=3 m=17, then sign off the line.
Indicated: h=5 m=5
